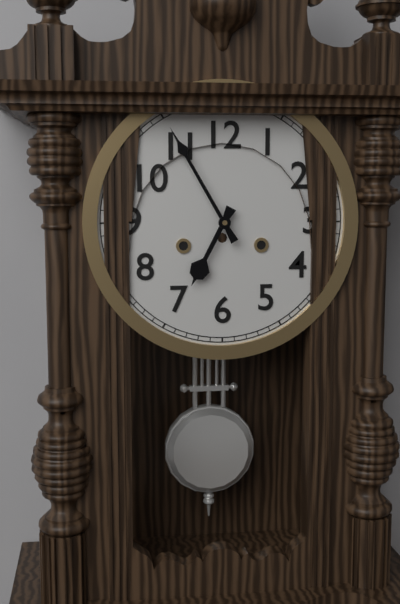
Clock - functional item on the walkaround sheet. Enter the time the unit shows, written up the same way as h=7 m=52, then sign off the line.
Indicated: h=6 m=55
